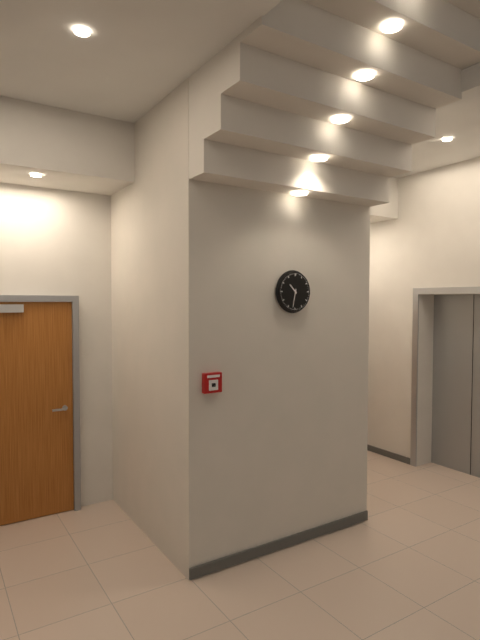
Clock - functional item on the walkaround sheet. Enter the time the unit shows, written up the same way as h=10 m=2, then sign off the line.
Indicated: h=10 m=32
